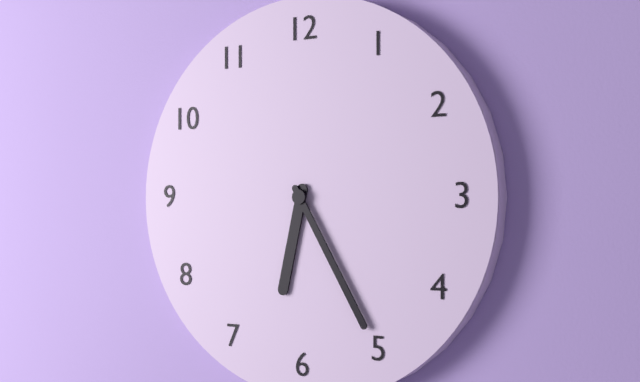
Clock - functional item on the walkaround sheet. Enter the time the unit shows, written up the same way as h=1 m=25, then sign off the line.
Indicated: h=6 m=25
